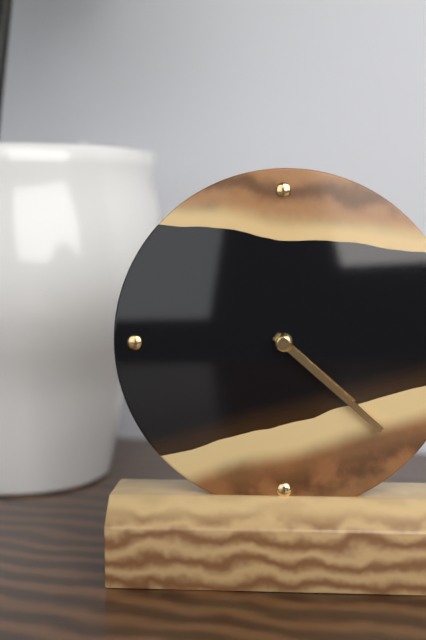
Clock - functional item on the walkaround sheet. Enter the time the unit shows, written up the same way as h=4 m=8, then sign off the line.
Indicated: h=4 m=22
